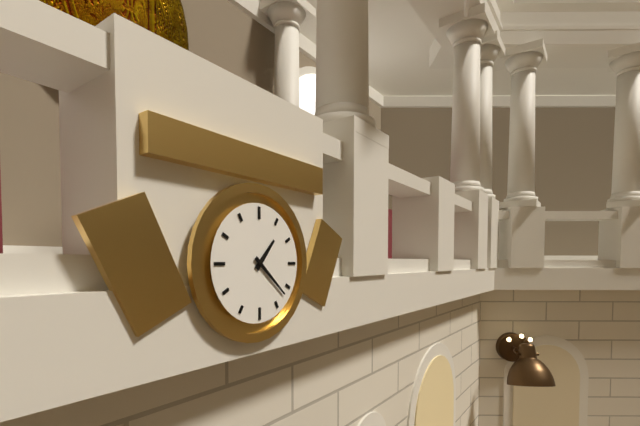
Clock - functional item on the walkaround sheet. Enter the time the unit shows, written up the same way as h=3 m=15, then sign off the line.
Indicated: h=1 m=22
